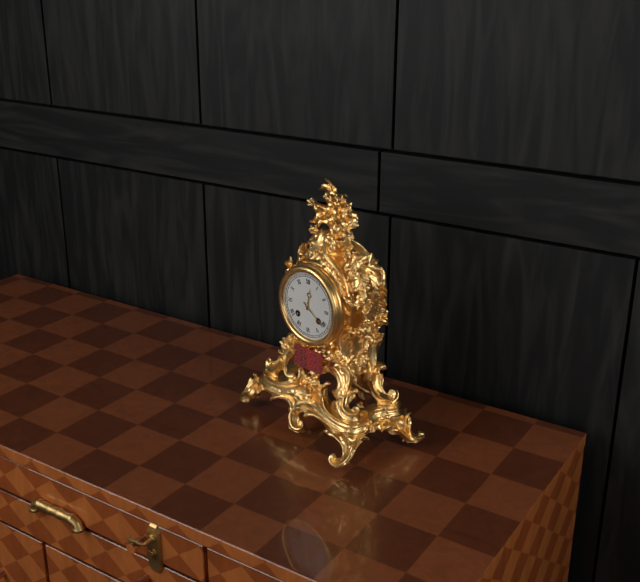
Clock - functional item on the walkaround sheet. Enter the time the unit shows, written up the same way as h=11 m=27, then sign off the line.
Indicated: h=12 m=21
